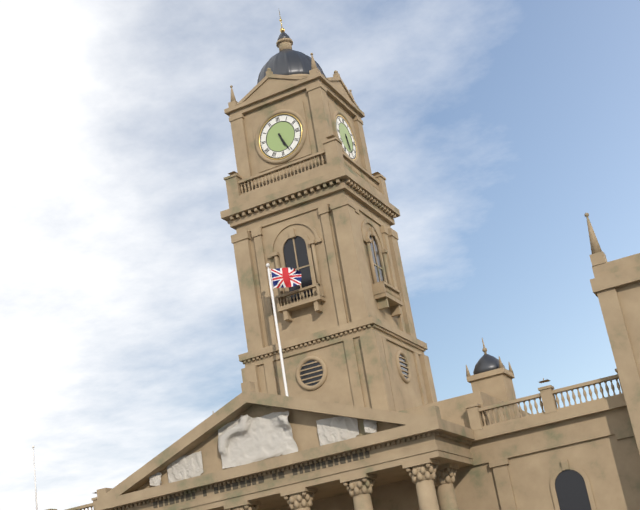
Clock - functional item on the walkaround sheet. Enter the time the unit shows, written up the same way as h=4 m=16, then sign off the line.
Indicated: h=5 m=26
